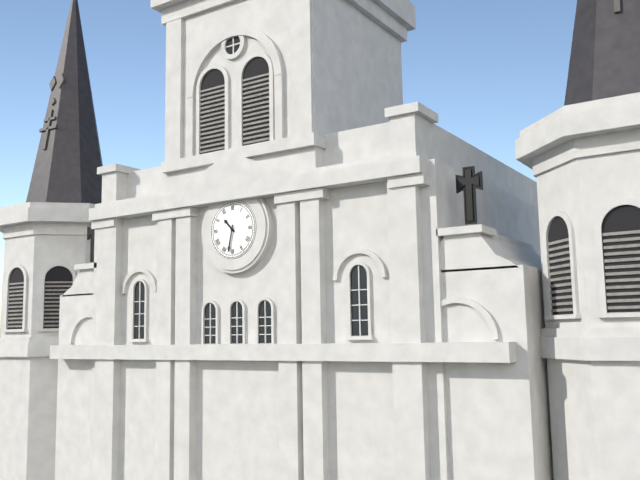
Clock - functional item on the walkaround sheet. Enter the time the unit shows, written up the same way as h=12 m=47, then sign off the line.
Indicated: h=10 m=32
